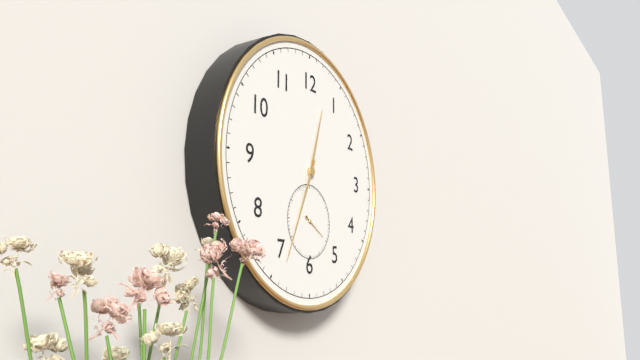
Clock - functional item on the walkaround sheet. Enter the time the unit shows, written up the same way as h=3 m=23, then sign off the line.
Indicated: h=12 m=34
